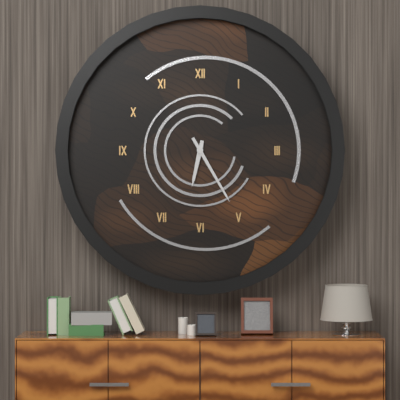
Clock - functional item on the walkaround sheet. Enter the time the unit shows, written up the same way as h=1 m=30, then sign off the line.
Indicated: h=6 m=25
